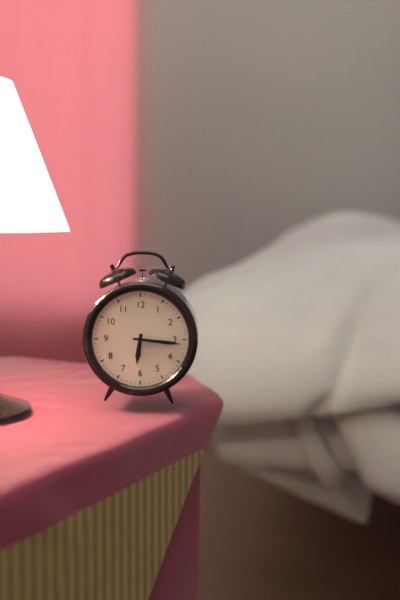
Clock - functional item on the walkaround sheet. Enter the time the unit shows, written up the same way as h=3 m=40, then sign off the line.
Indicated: h=6 m=16
